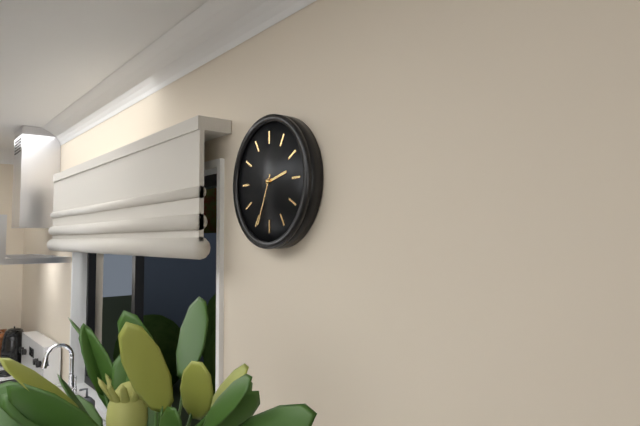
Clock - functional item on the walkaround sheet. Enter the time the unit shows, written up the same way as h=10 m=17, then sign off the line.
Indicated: h=2 m=34
